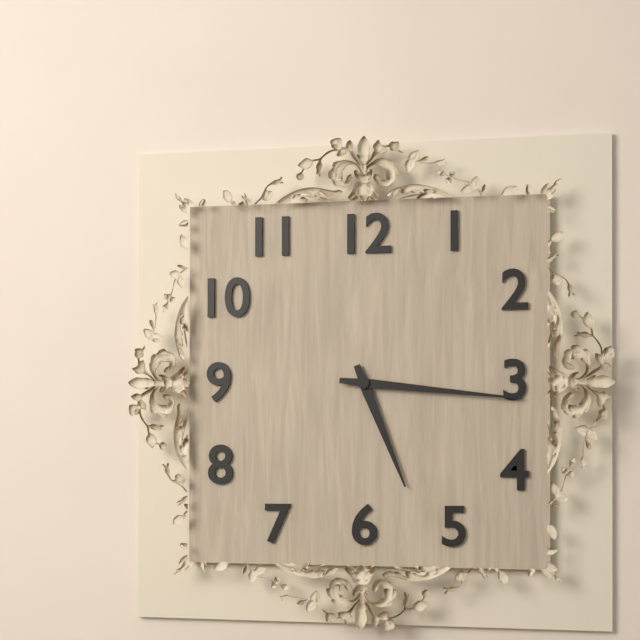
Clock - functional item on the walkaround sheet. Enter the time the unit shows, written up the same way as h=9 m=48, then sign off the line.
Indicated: h=5 m=16
